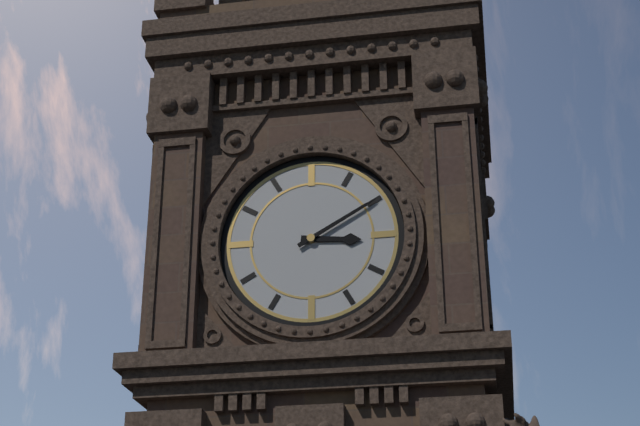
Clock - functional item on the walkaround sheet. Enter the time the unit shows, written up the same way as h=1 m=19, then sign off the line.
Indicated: h=3 m=10
